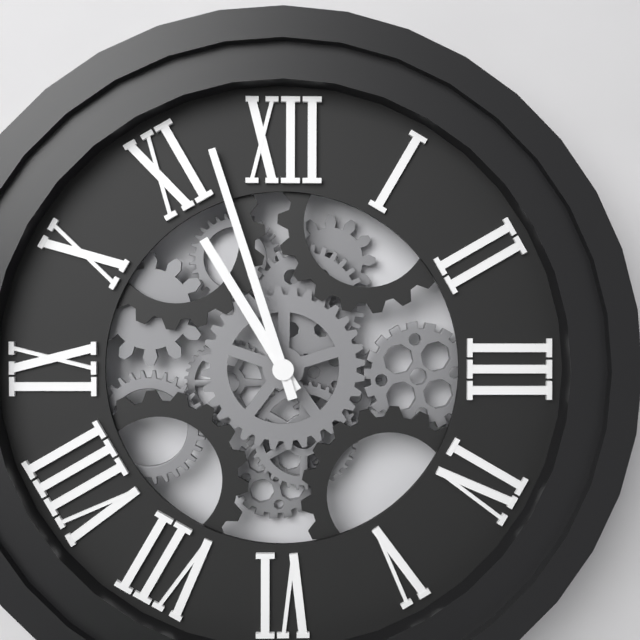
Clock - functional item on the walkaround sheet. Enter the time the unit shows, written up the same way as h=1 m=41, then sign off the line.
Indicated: h=10 m=57
